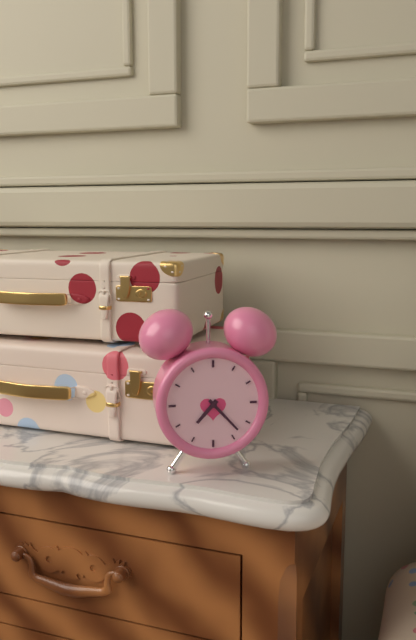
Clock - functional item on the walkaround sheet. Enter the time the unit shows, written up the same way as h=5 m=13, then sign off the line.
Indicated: h=7 m=23
